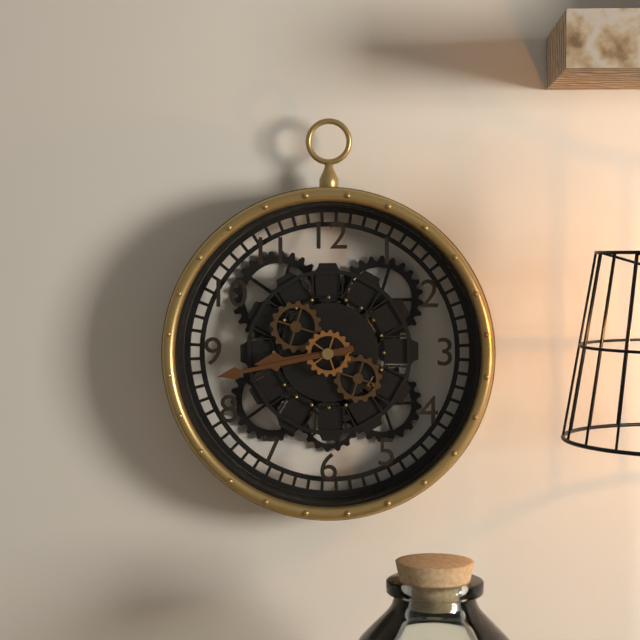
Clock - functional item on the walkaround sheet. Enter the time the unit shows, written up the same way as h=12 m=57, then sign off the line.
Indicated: h=8 m=43
